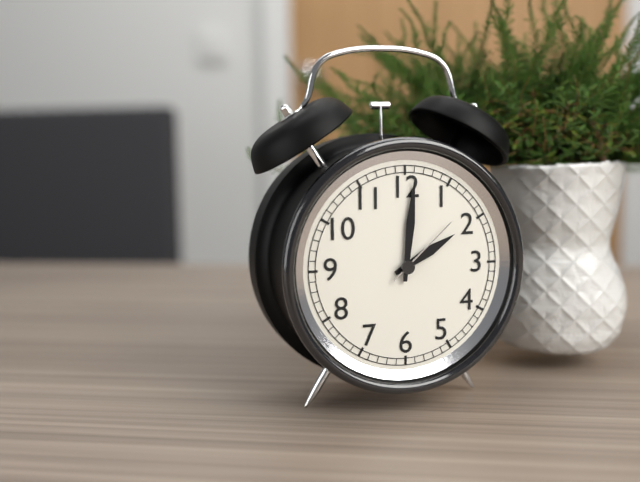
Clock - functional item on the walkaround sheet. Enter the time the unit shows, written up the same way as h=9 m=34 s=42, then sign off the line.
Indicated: h=2 m=1 s=8
